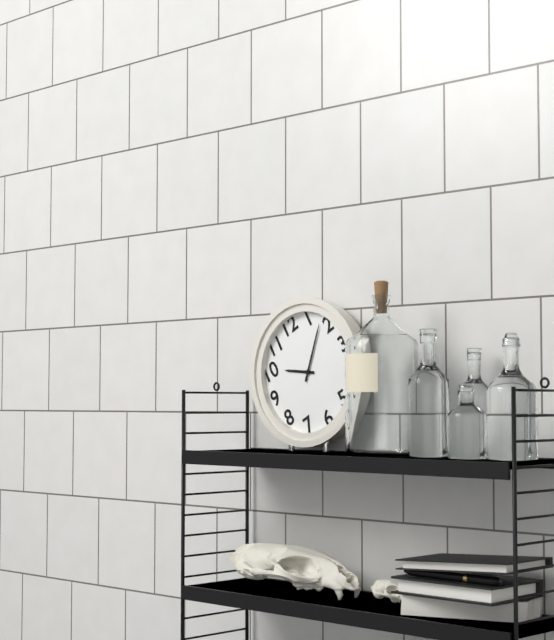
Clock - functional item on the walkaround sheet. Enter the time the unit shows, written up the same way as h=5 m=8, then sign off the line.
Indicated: h=10 m=8
